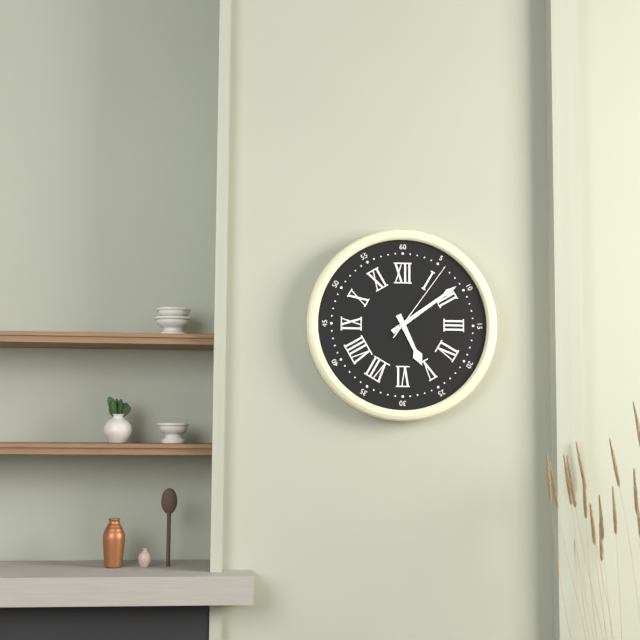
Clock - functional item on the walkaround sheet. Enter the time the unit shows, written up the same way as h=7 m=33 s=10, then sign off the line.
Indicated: h=5 m=9 s=6
